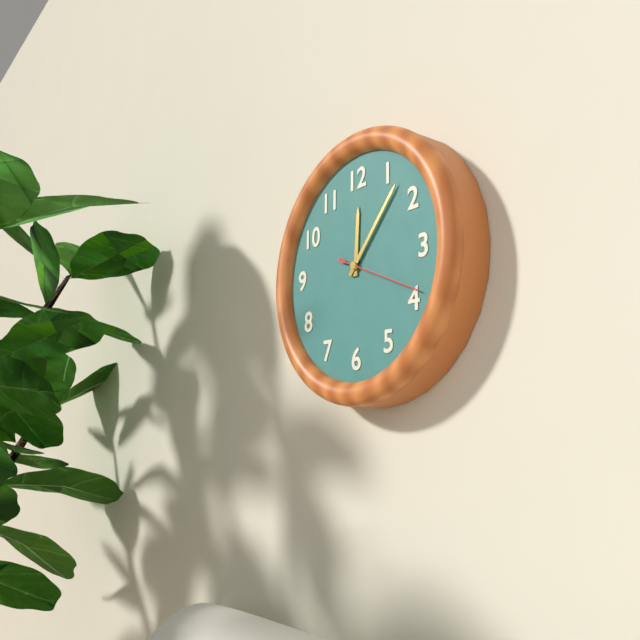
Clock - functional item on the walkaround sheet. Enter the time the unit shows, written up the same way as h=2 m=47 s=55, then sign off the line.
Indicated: h=12 m=7 s=19
